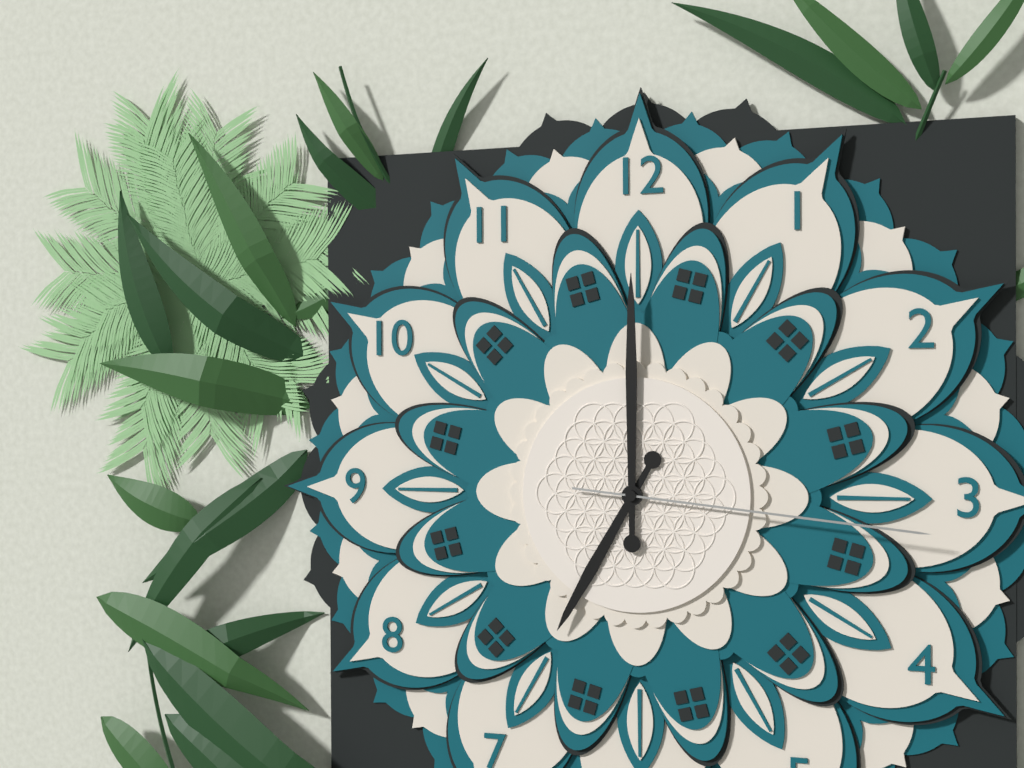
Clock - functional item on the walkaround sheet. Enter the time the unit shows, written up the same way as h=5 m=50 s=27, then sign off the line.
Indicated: h=7 m=0 s=16
